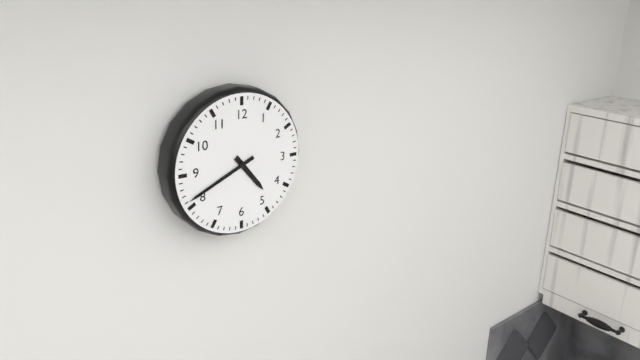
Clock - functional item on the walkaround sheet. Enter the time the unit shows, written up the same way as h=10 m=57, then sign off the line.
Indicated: h=4 m=41
